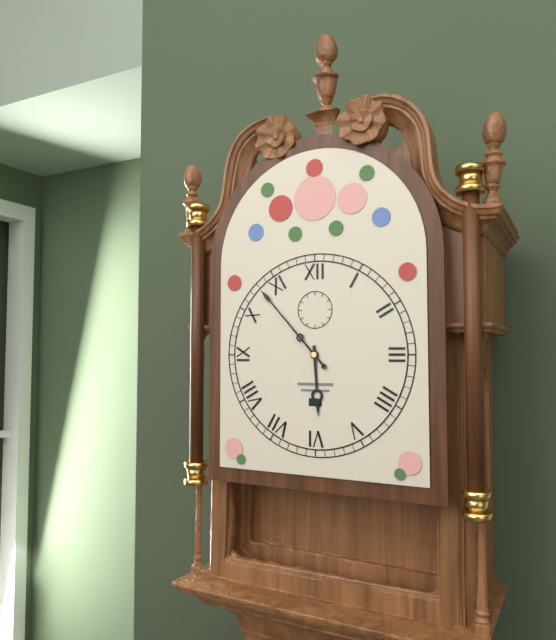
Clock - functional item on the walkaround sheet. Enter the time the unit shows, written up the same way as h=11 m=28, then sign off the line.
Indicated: h=5 m=53
